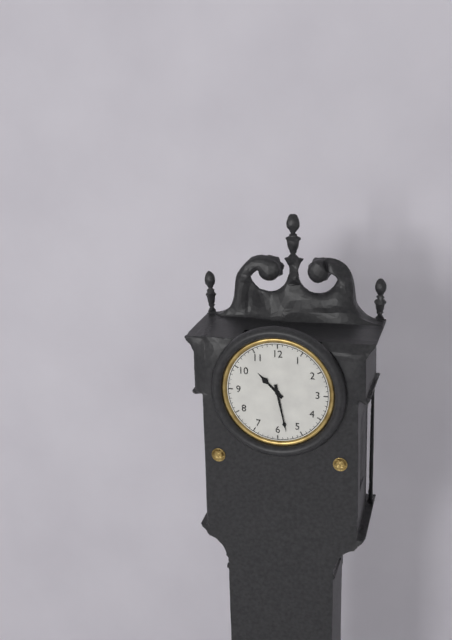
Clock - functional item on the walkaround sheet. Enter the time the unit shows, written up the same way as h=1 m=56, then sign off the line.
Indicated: h=10 m=28
